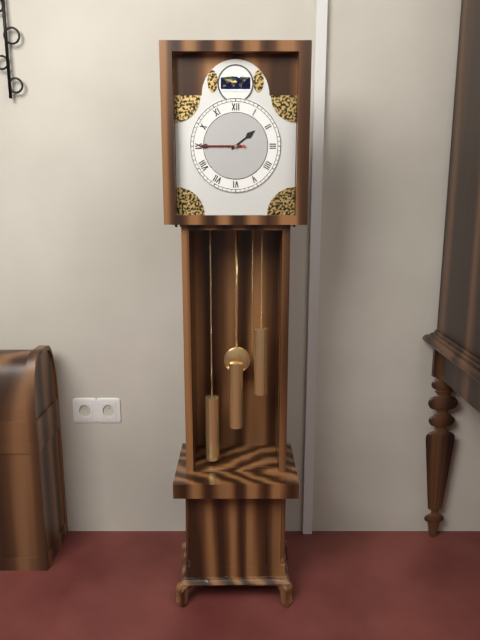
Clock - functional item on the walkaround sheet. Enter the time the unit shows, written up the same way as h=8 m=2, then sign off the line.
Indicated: h=1 m=45
